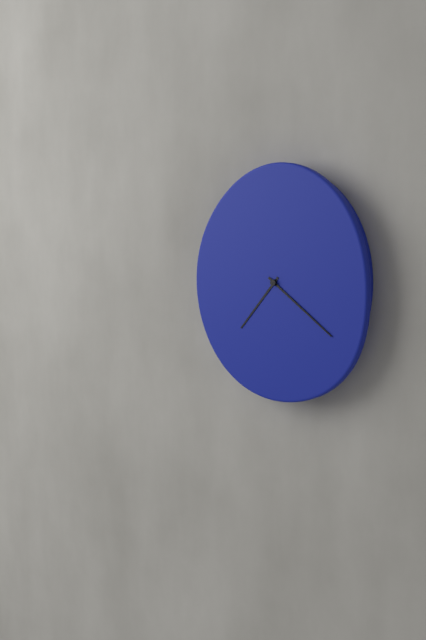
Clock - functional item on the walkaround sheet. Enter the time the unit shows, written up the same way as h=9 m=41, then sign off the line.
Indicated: h=7 m=21
